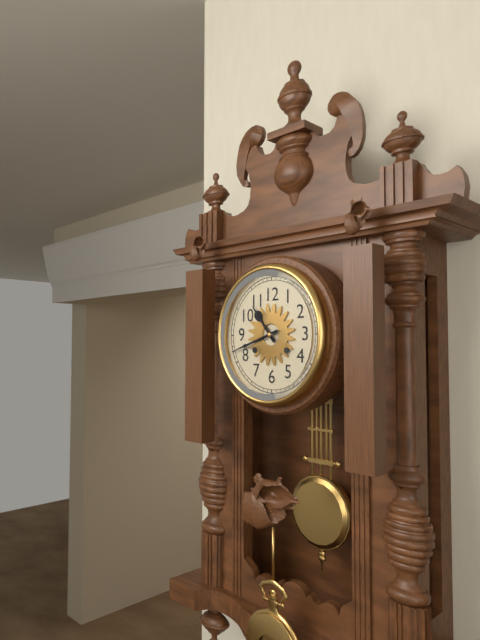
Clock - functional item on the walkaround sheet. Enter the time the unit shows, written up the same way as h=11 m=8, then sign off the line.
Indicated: h=10 m=42
